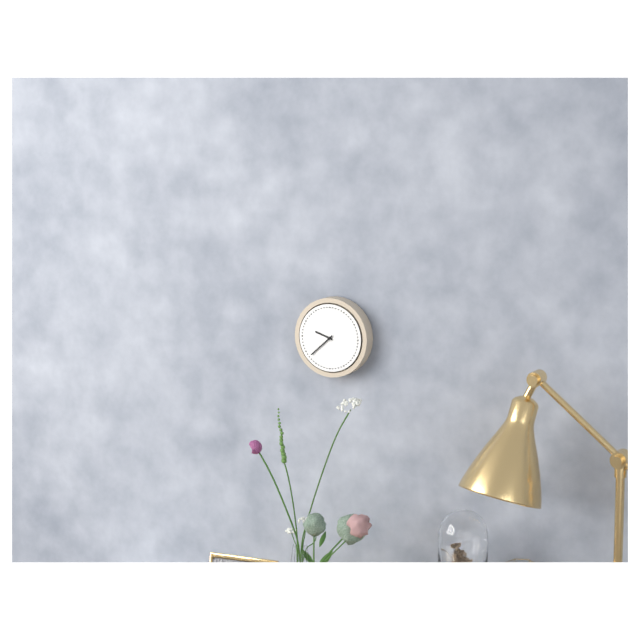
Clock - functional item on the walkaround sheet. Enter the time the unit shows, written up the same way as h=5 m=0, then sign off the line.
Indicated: h=9 m=38
